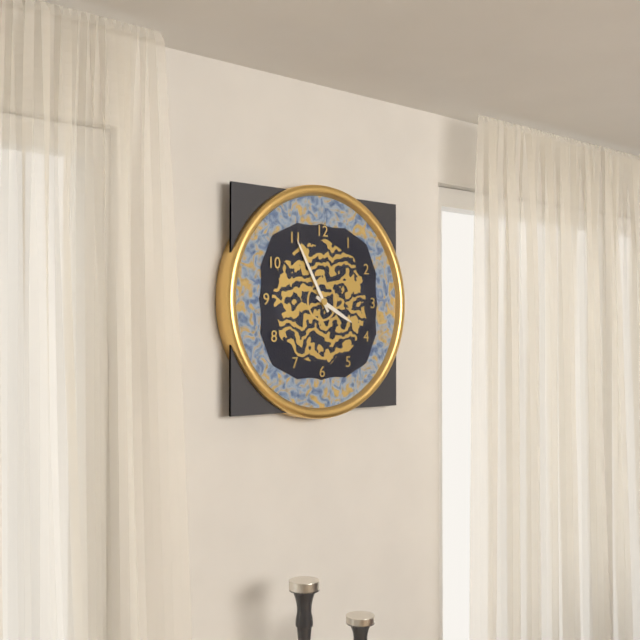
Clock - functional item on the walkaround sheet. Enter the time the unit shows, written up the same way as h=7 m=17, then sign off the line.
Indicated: h=3 m=55
